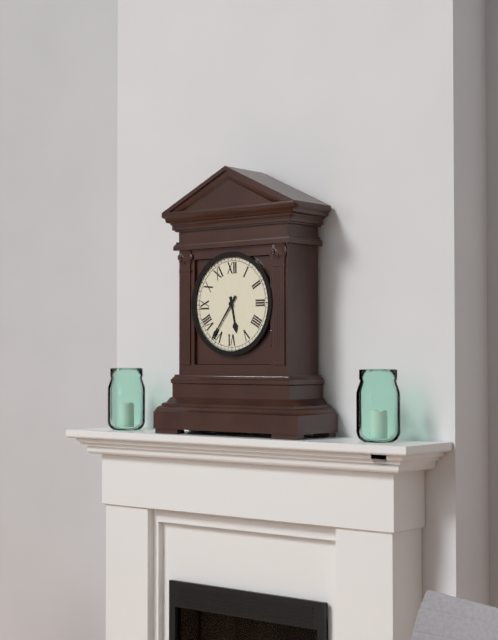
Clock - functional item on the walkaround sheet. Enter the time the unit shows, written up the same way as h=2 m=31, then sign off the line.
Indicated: h=5 m=36
